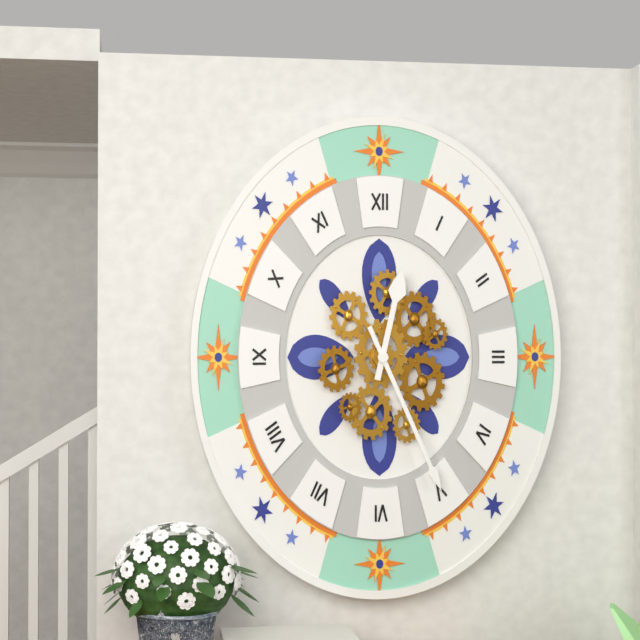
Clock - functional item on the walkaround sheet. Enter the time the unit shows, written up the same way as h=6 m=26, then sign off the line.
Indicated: h=12 m=26
